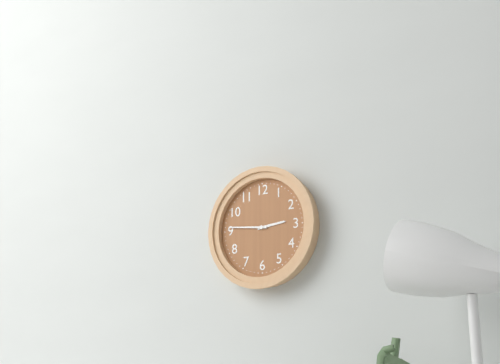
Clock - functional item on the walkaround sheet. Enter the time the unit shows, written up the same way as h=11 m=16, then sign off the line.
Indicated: h=2 m=46
